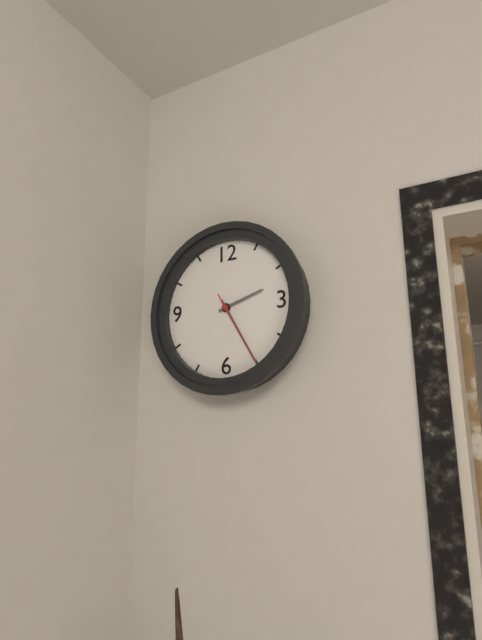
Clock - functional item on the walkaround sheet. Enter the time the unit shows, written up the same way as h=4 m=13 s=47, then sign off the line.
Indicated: h=2 m=25 s=25
